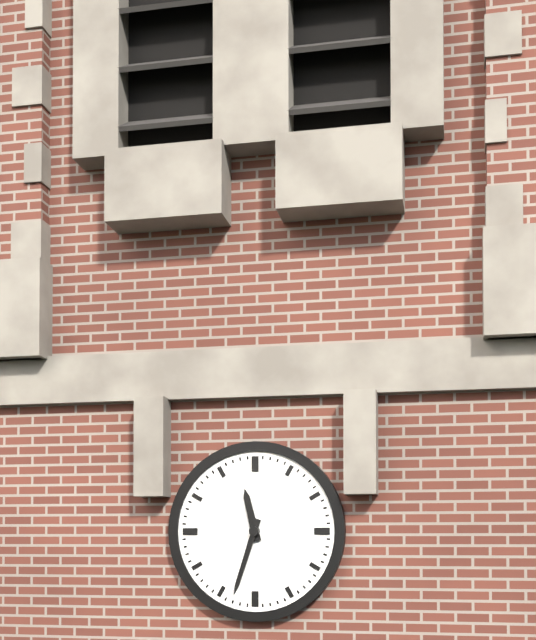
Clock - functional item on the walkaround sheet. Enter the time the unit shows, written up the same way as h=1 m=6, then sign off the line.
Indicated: h=11 m=33
